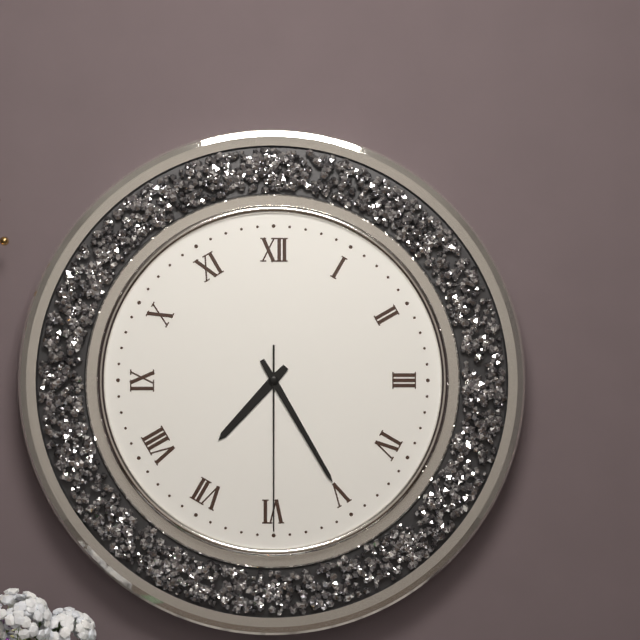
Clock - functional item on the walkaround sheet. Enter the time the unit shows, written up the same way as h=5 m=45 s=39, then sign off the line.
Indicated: h=7 m=25 s=30
